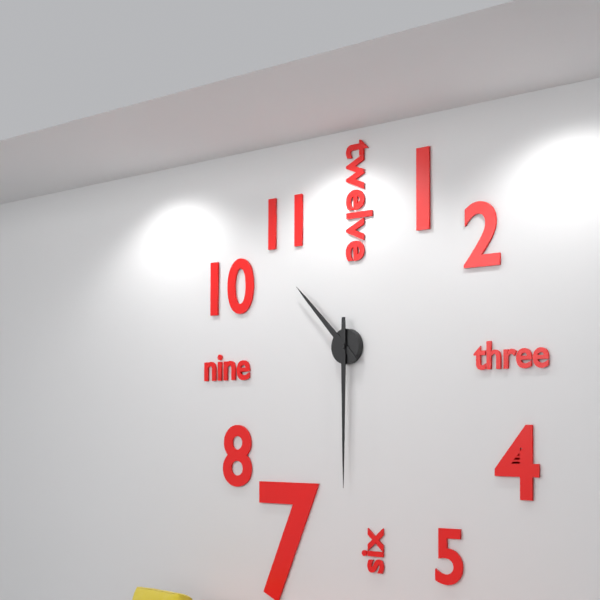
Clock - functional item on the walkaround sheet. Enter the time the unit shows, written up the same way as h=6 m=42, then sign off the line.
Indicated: h=10 m=30
